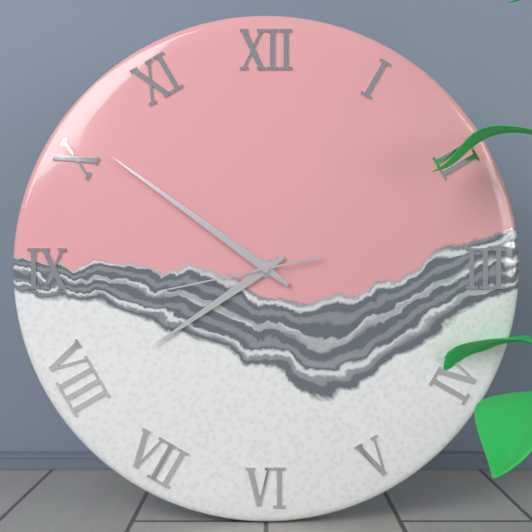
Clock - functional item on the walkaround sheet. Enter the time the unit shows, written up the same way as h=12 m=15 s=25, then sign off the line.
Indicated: h=7 m=51 s=43
